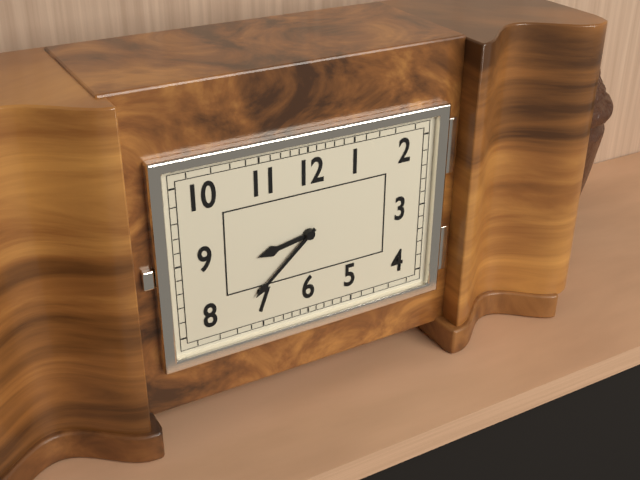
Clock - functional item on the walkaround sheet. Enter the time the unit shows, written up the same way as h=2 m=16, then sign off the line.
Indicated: h=8 m=38
